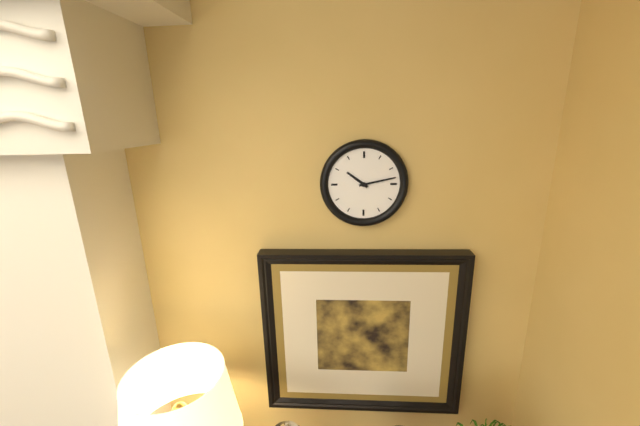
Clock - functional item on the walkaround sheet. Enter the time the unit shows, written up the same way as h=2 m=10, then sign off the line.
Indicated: h=10 m=13
